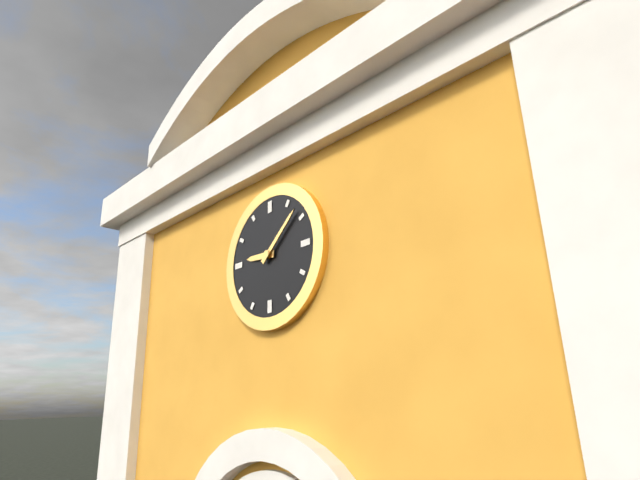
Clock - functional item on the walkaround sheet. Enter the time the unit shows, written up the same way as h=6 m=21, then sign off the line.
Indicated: h=9 m=8
